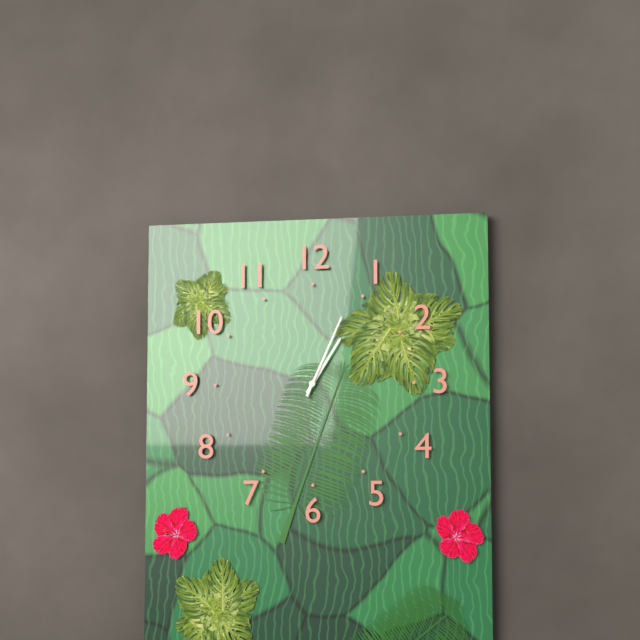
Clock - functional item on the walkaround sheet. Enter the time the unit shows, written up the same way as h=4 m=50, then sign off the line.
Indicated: h=1 m=4
